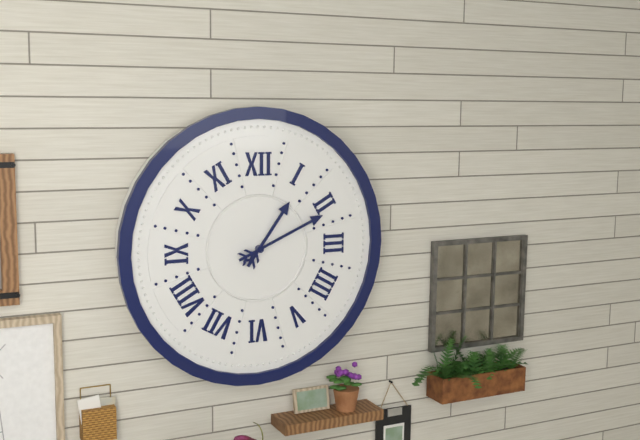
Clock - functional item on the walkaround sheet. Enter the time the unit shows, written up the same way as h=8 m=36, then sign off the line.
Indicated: h=1 m=11
